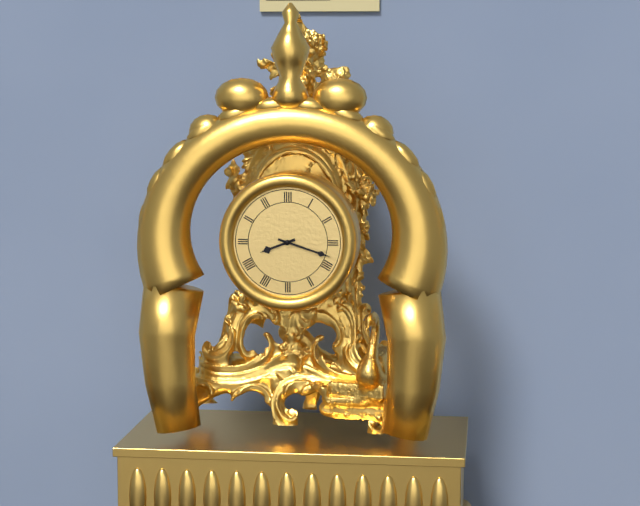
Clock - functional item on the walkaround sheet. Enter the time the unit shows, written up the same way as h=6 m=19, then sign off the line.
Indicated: h=8 m=18
